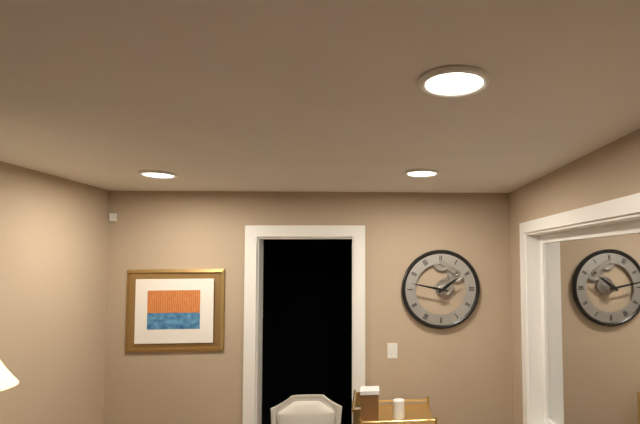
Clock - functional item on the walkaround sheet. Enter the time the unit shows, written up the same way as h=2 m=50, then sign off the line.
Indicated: h=1 m=47
